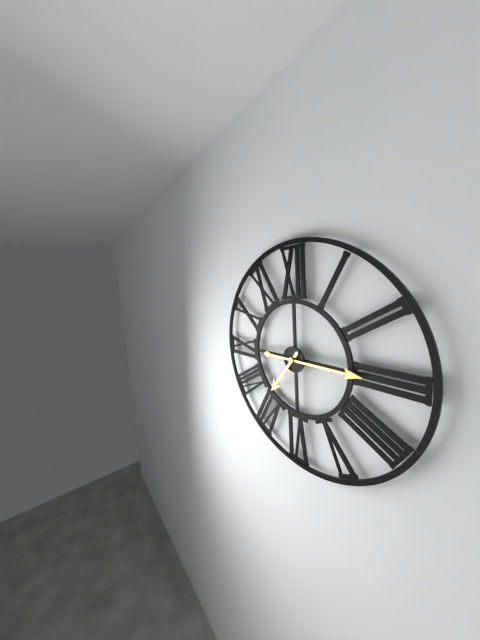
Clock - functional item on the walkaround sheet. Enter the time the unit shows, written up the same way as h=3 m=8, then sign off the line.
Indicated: h=7 m=15
